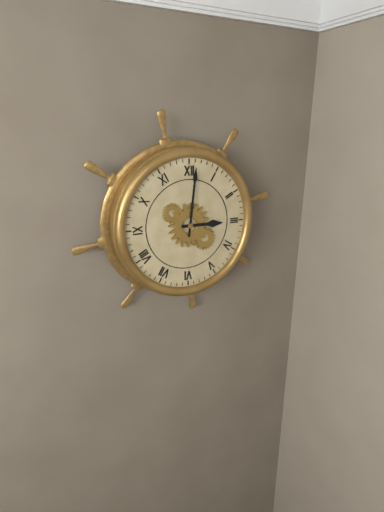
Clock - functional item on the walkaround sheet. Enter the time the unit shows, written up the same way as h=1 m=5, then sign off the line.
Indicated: h=3 m=1
